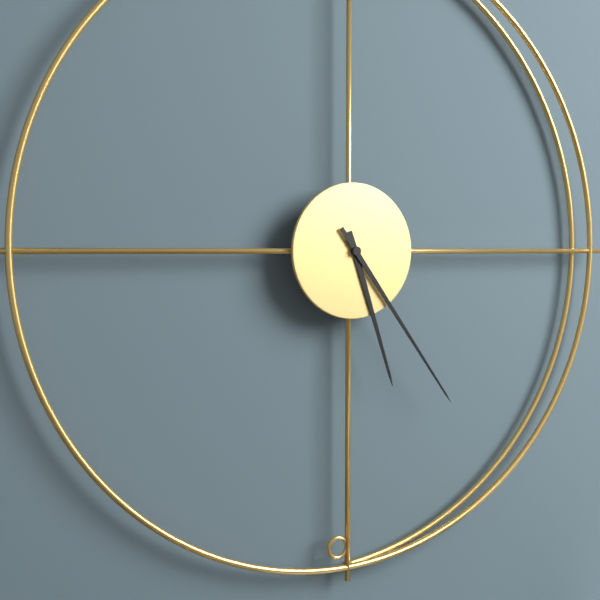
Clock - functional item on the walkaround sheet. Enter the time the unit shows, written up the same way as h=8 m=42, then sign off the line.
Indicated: h=5 m=24
